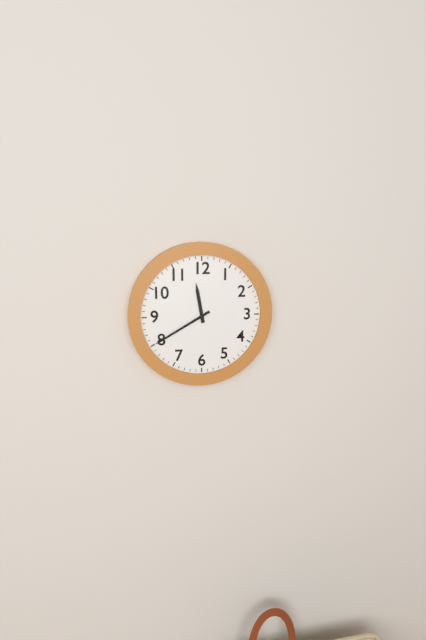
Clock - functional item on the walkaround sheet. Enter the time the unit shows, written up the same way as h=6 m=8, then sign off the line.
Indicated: h=11 m=40
